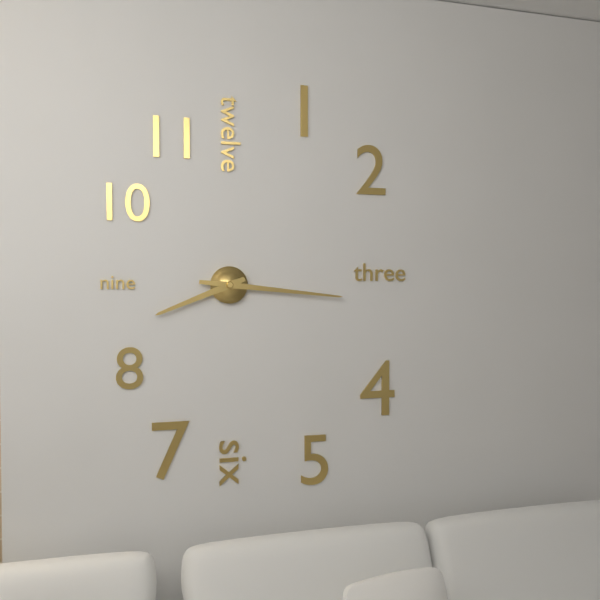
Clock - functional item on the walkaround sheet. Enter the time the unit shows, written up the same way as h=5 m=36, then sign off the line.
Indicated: h=8 m=16
